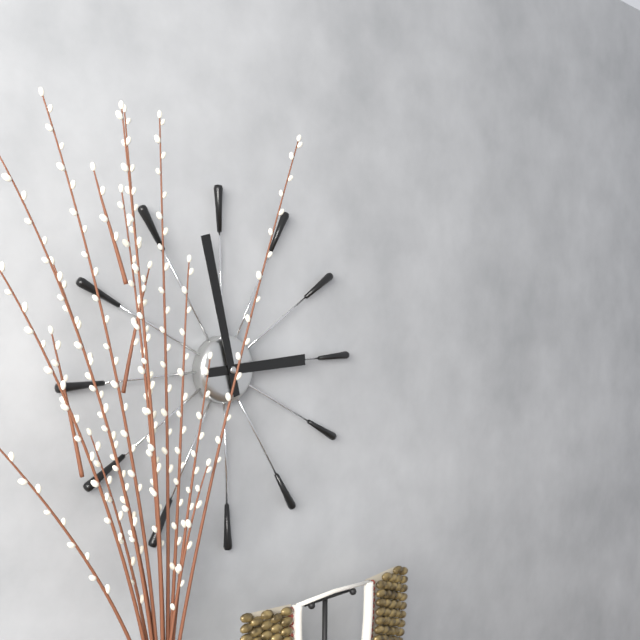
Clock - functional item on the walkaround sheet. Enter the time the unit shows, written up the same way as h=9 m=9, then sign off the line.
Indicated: h=2 m=58
